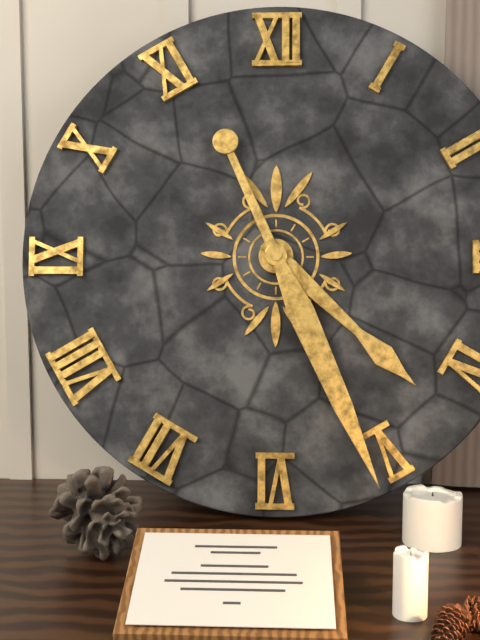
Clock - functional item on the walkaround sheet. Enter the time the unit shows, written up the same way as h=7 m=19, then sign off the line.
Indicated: h=4 m=26
